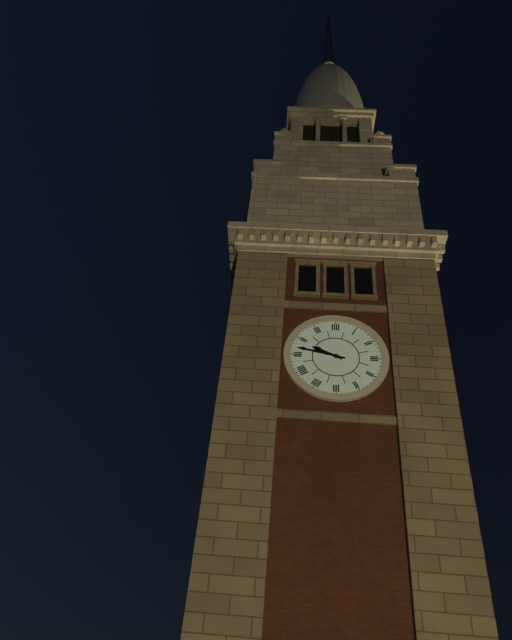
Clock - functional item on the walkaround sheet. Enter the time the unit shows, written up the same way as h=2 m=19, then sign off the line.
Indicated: h=9 m=47
